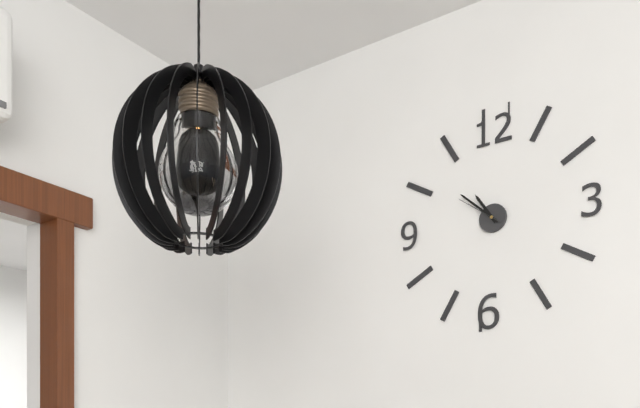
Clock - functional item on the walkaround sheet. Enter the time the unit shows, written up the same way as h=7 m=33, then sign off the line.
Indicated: h=10 m=52
